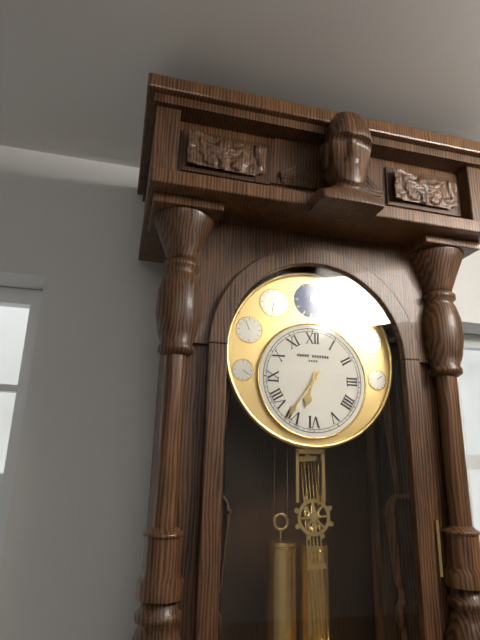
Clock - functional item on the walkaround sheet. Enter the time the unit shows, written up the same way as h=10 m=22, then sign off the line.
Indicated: h=6 m=36
